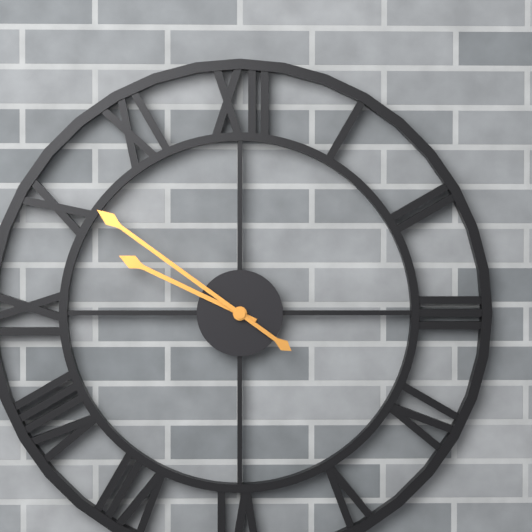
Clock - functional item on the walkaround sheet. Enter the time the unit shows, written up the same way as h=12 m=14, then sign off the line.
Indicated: h=9 m=51
